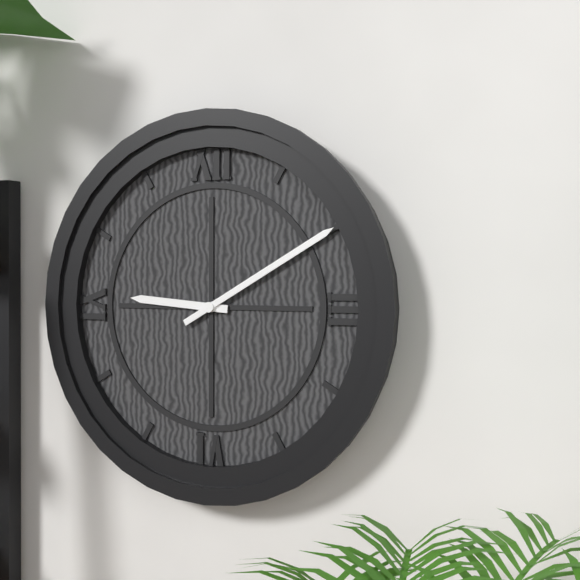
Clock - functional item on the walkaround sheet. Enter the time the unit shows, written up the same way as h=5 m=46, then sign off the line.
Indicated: h=9 m=10
